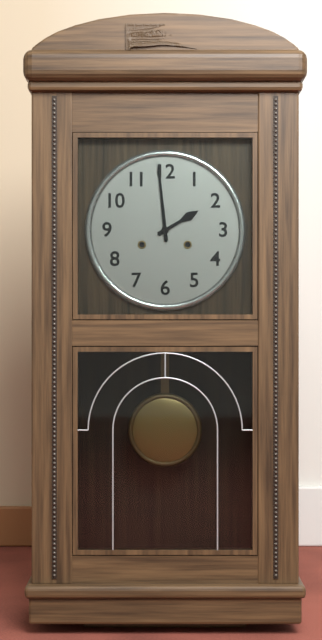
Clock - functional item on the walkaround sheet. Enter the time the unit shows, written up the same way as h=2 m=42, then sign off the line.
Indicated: h=1 m=59
